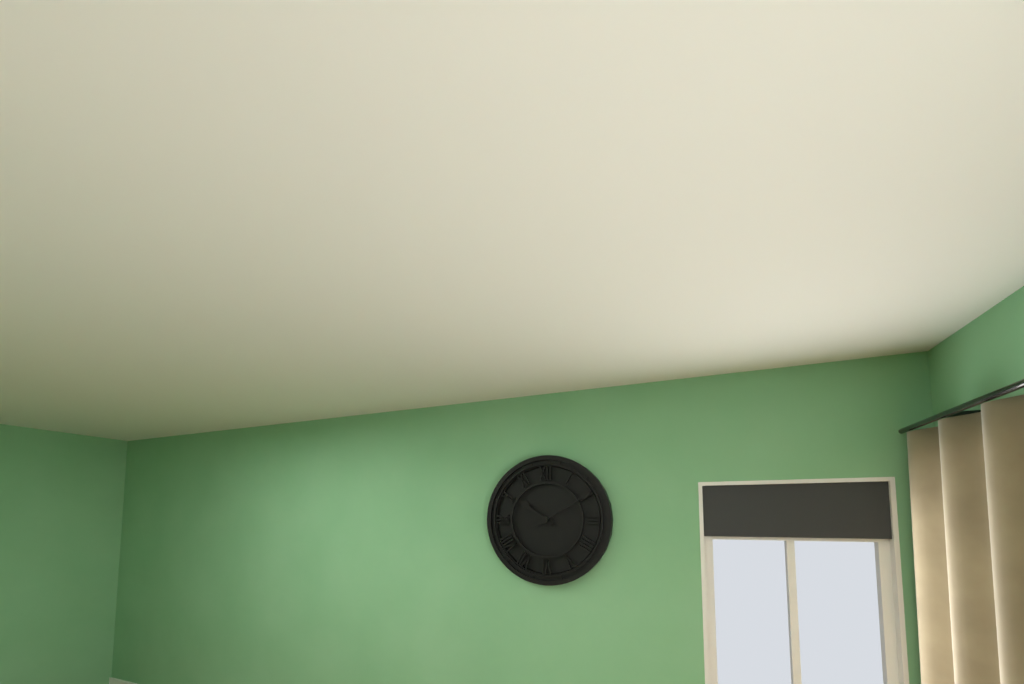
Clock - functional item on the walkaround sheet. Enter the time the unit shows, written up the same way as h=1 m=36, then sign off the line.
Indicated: h=10 m=10
